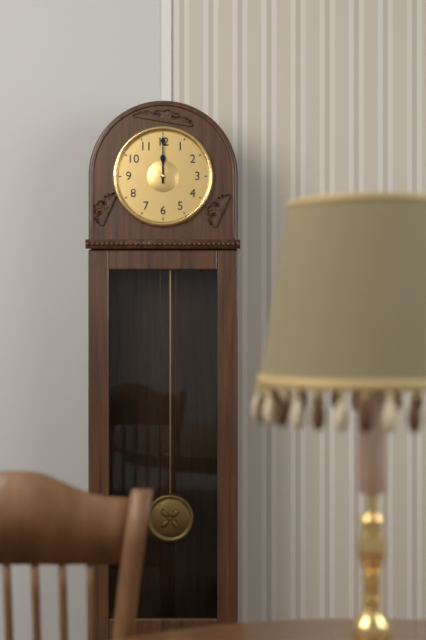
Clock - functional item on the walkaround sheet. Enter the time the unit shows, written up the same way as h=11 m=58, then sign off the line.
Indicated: h=12 m=0
